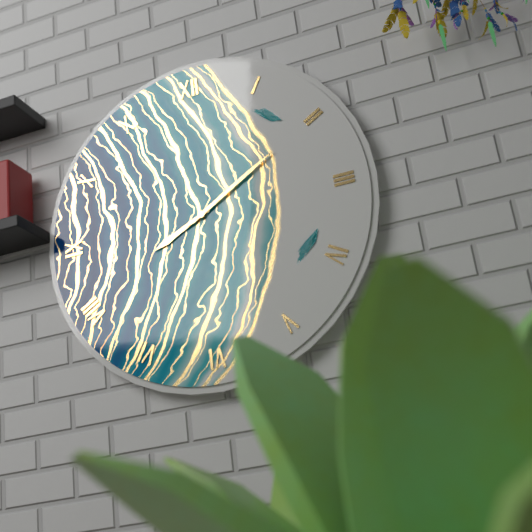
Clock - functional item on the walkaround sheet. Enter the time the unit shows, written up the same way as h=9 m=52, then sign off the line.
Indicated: h=8 m=10
